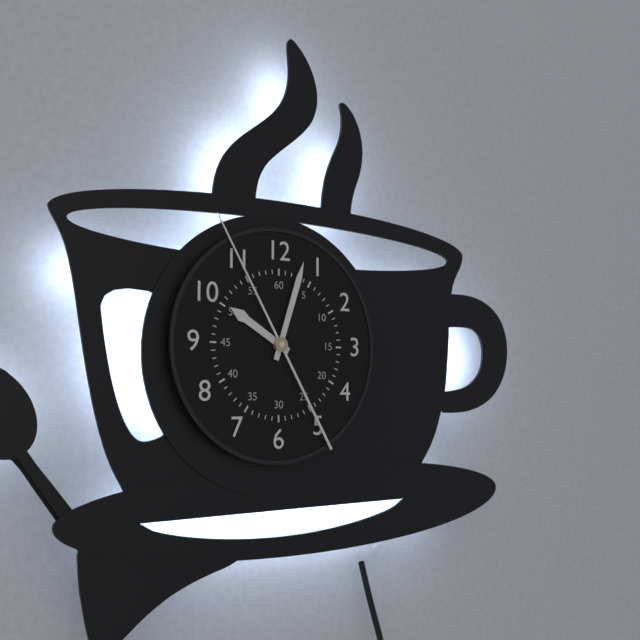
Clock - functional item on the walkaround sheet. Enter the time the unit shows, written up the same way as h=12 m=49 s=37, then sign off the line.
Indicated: h=10 m=3 s=55
